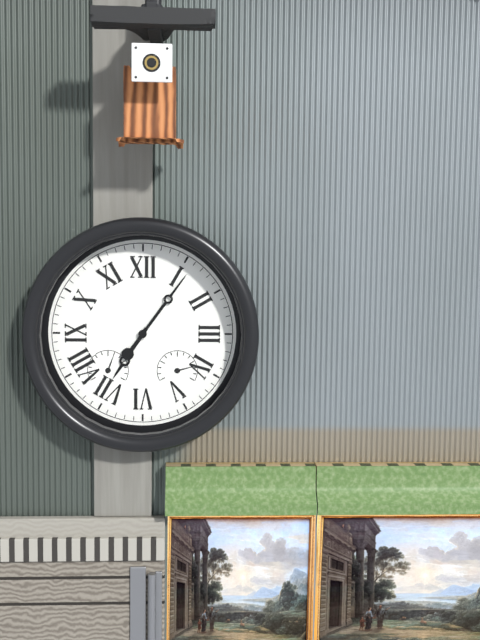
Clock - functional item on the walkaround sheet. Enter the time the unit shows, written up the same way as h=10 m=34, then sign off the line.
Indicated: h=7 m=6
